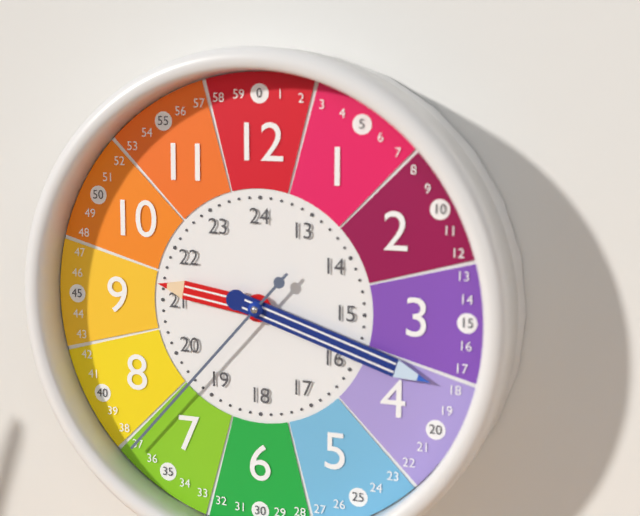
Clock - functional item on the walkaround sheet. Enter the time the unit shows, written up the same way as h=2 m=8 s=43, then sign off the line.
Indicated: h=9 m=18 s=37
